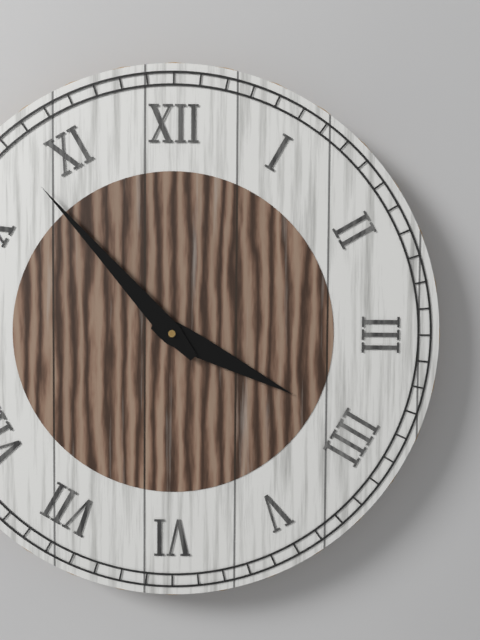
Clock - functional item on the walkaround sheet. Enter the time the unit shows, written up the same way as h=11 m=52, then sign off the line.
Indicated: h=3 m=53
